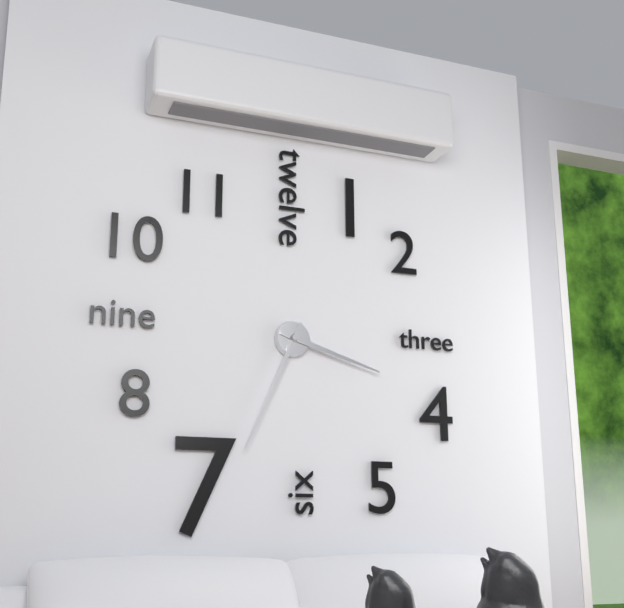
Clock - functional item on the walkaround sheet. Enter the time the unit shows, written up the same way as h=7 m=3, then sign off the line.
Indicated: h=3 m=34
